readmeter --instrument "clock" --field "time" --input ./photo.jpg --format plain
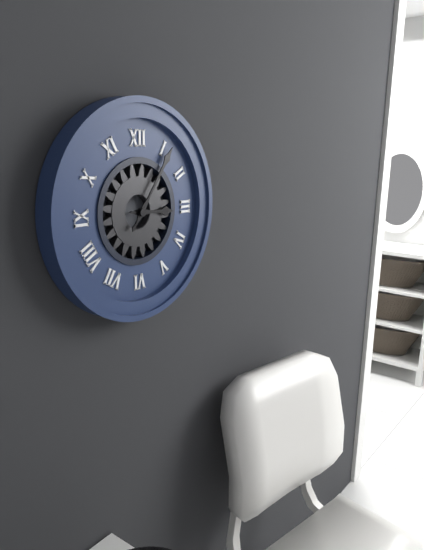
3:06
